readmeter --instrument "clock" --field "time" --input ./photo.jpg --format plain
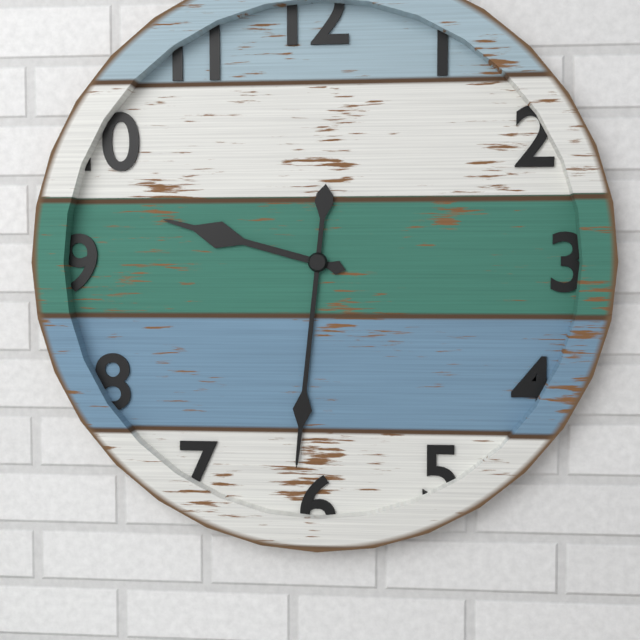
9:31
